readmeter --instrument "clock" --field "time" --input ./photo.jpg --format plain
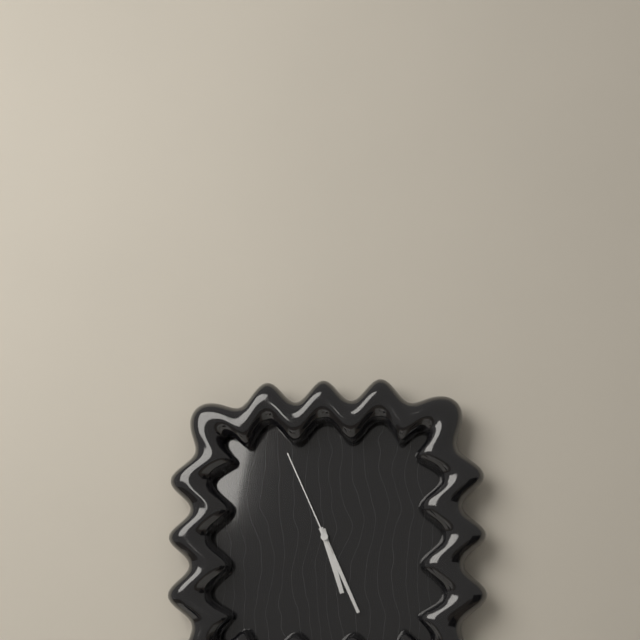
5:26:56
